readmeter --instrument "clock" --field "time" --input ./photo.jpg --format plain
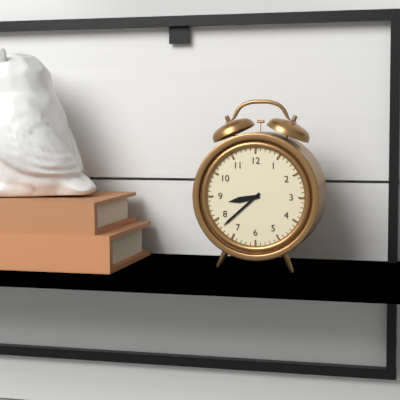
8:38
